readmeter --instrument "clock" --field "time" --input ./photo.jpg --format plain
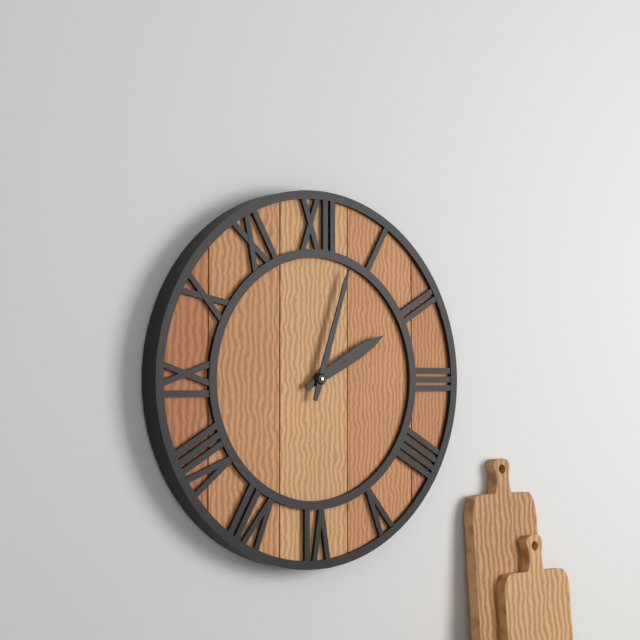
2:03
